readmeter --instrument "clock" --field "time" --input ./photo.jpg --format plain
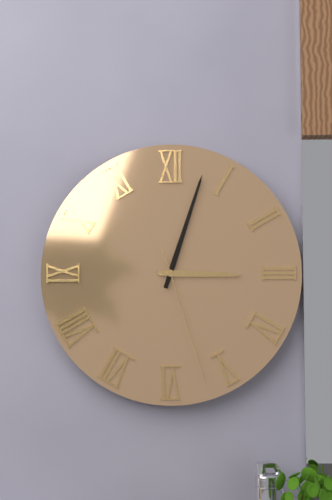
3:03:27
